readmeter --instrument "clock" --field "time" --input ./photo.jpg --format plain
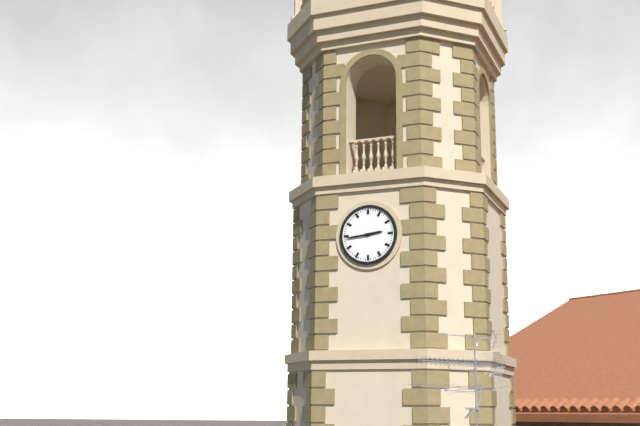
2:44
